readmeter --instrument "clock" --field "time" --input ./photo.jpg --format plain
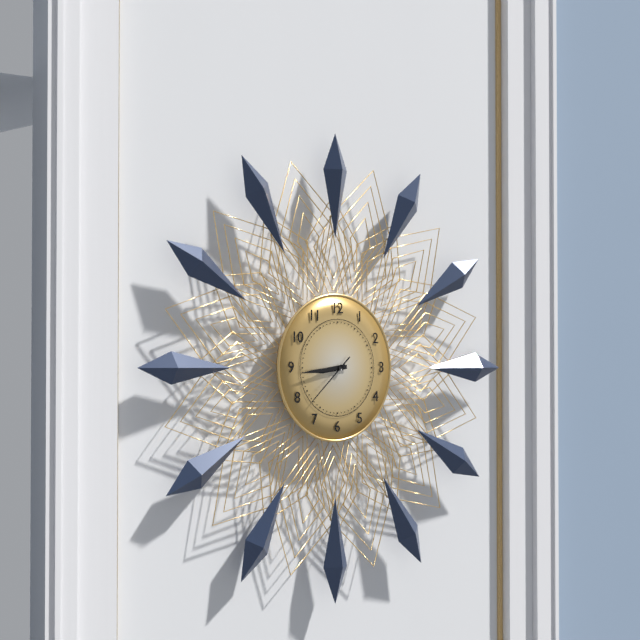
8:44:38
